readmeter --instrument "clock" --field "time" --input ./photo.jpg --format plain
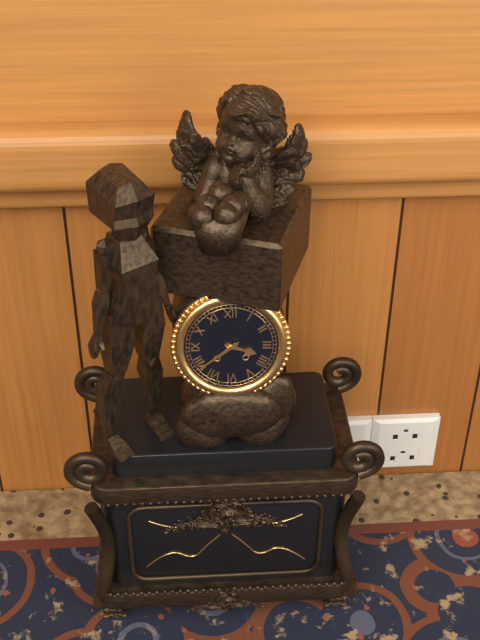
3:39
